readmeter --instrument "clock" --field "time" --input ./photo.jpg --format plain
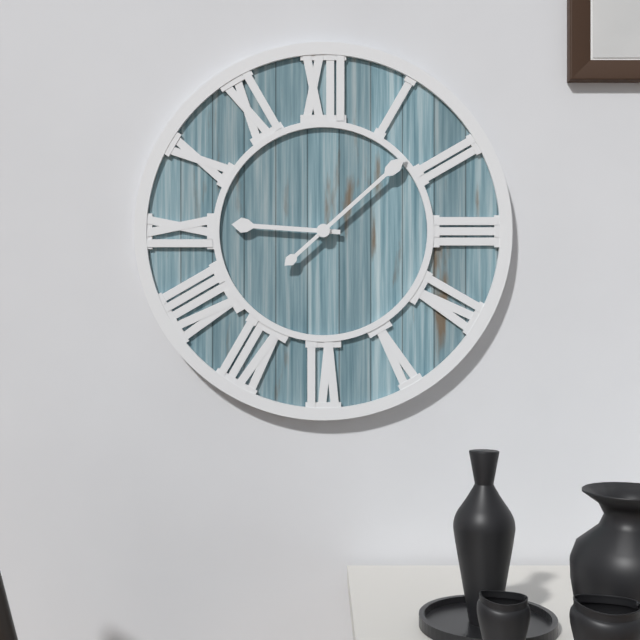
9:08
